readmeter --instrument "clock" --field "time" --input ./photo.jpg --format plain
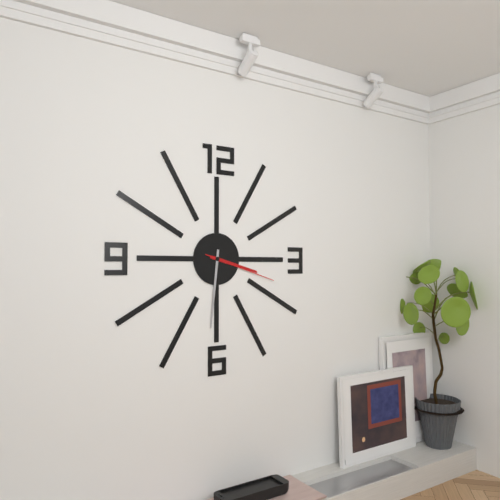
3:31:18
